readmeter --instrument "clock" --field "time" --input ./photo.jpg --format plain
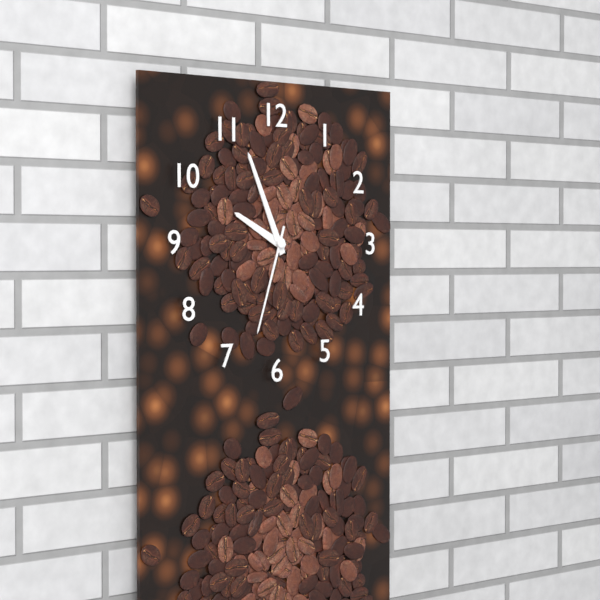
9:56:33
